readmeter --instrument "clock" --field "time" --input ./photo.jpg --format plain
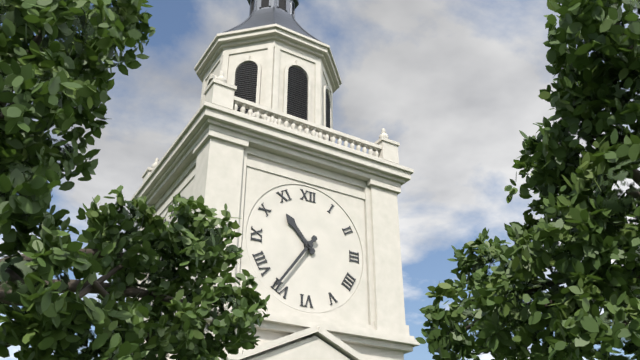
10:36
